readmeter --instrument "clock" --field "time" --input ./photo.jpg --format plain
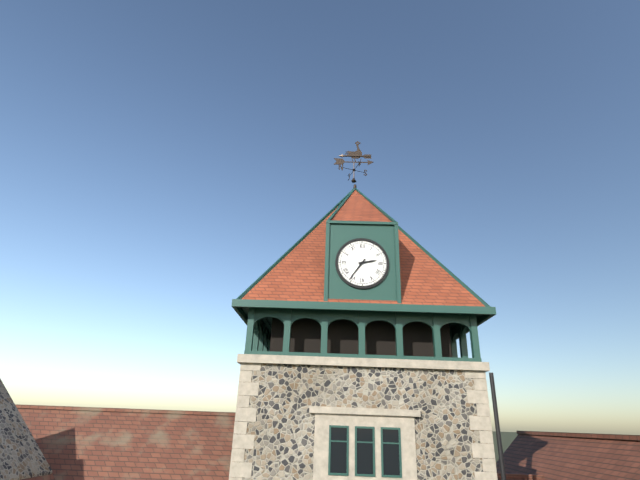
2:36
